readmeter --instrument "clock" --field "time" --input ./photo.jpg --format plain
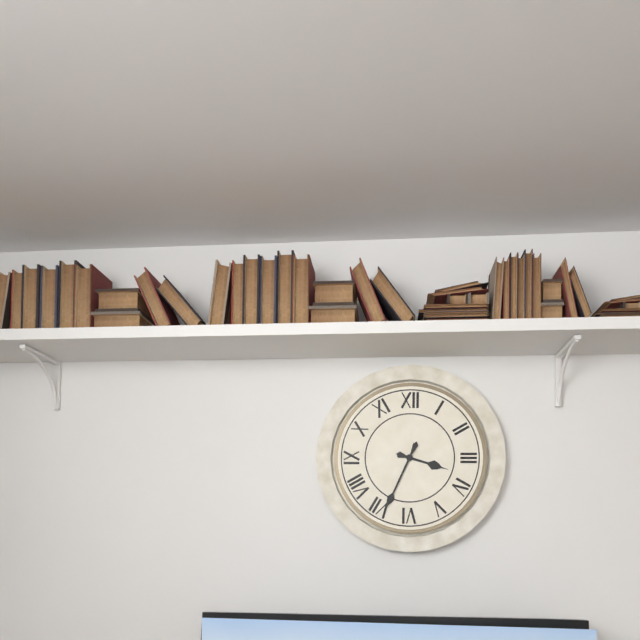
3:34
